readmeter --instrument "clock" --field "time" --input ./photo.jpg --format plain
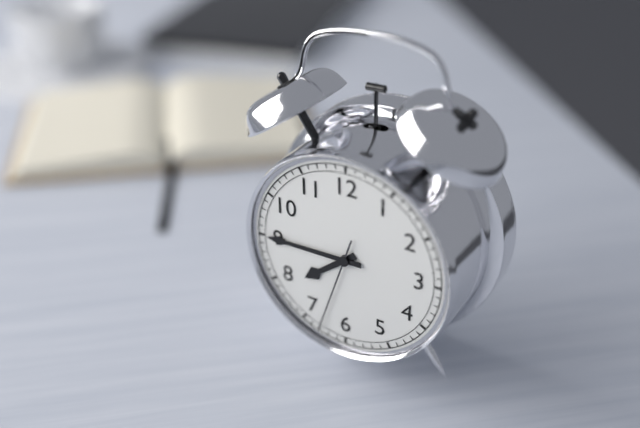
7:45:33
